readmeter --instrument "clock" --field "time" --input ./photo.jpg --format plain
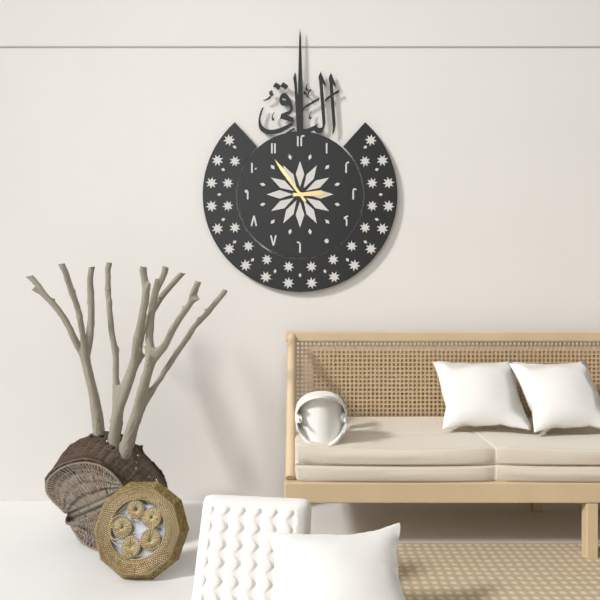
2:54
